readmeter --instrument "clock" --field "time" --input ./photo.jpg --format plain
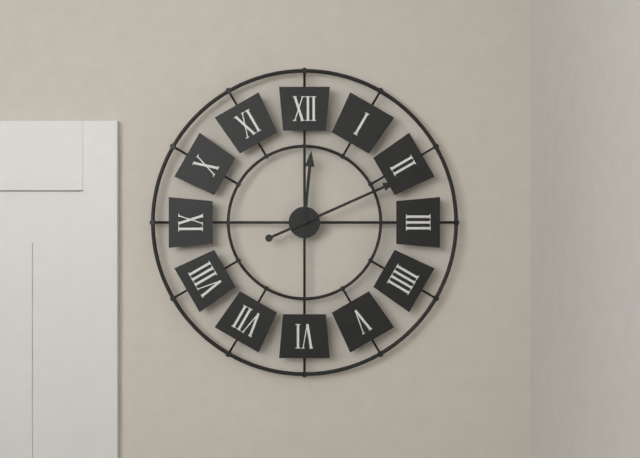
12:11
